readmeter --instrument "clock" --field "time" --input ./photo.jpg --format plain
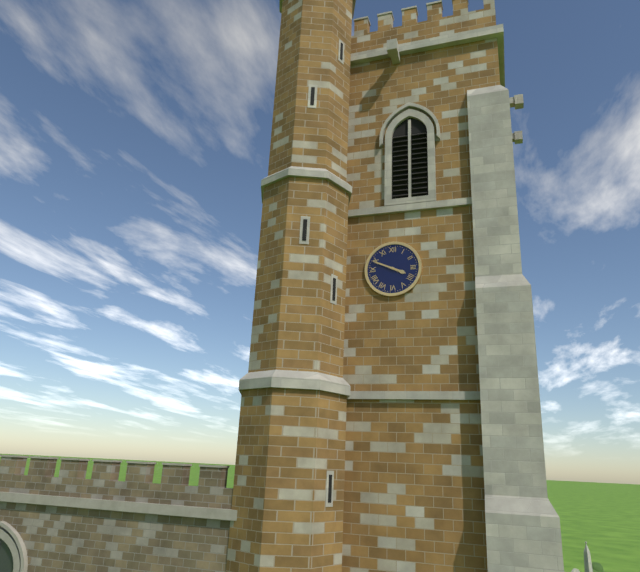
3:49
